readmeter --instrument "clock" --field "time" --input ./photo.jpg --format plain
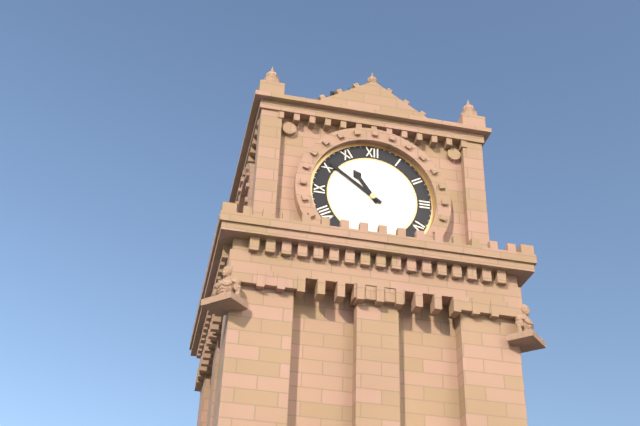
10:51
